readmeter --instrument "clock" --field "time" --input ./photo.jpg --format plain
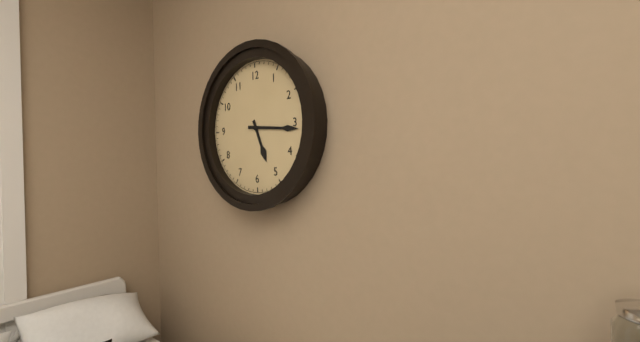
5:16
